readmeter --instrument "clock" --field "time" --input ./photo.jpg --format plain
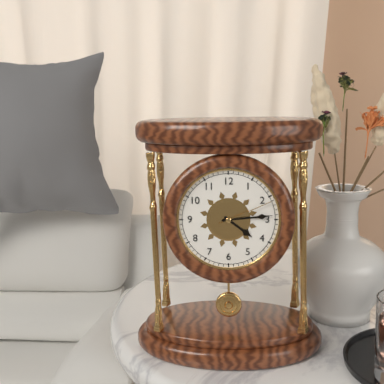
4:14:11
